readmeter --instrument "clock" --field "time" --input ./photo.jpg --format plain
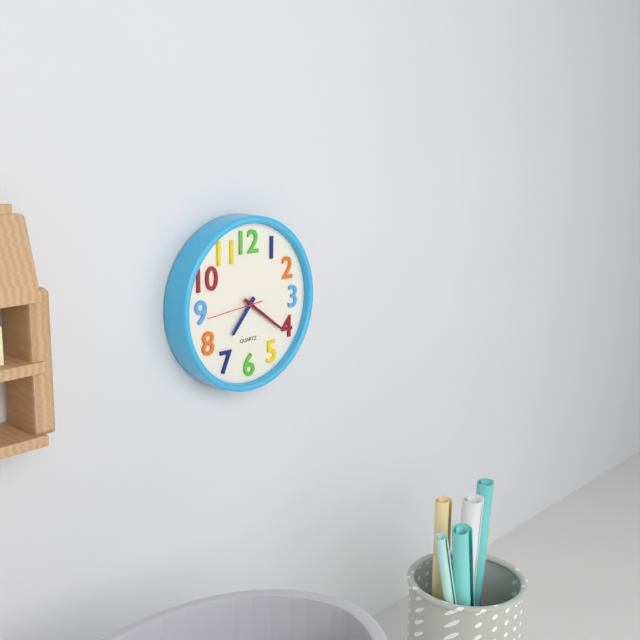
7:21:44
